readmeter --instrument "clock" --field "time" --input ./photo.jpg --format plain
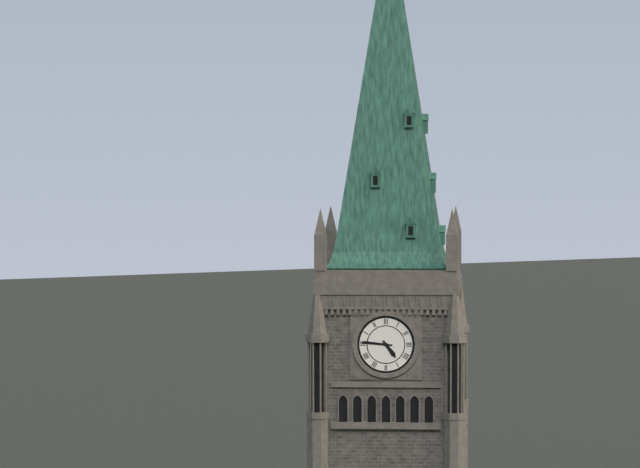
4:46
